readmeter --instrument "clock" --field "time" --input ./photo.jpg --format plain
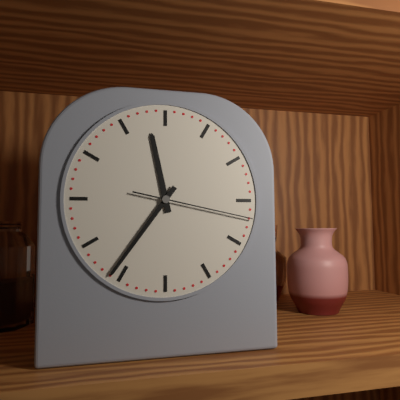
11:36:17
